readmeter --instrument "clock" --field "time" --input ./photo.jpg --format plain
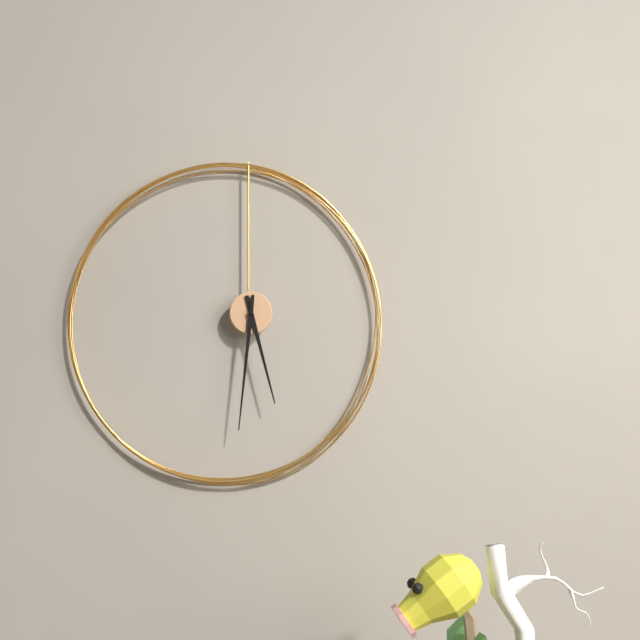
5:31
